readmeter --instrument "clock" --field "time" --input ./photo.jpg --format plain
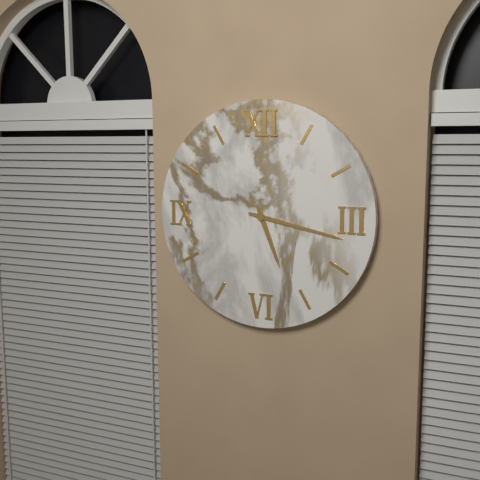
5:17
